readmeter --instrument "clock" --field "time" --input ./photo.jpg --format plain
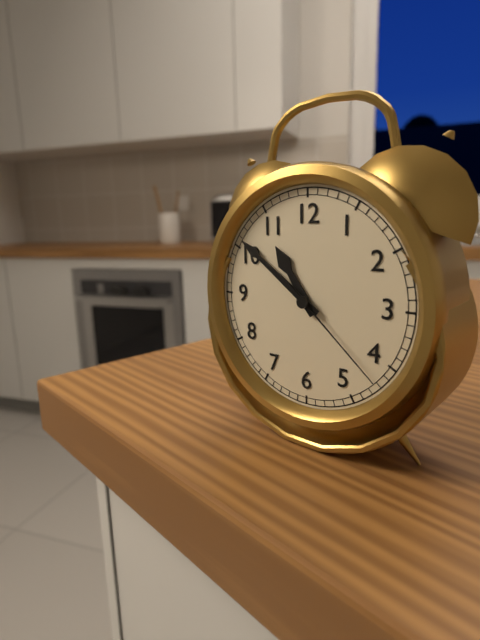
10:51:22
